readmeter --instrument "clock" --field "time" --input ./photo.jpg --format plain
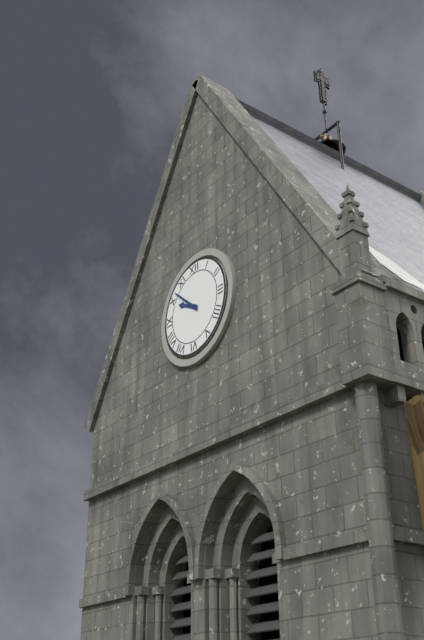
9:52
